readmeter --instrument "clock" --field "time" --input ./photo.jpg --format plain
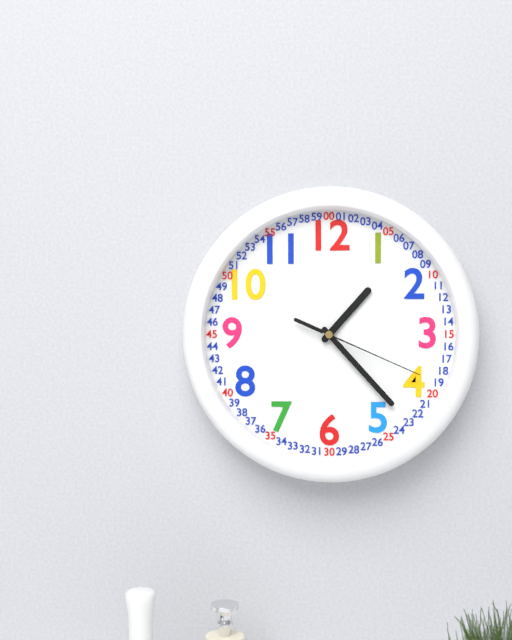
1:23:19
